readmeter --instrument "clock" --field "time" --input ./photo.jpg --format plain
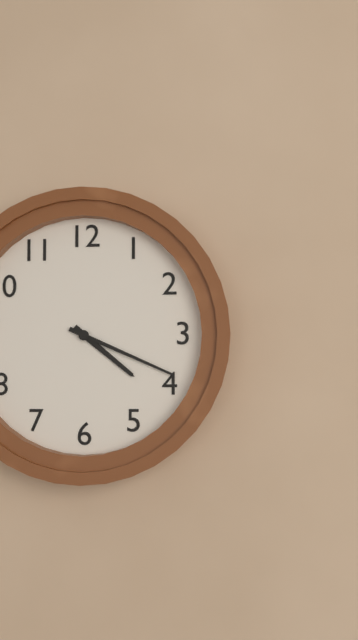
4:19
